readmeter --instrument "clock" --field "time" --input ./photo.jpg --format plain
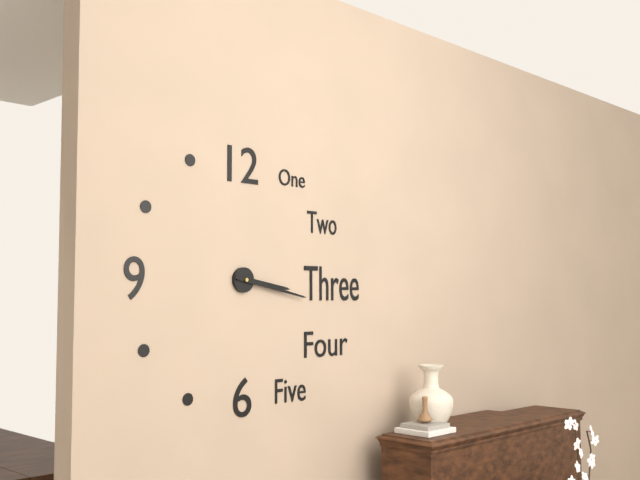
3:17
